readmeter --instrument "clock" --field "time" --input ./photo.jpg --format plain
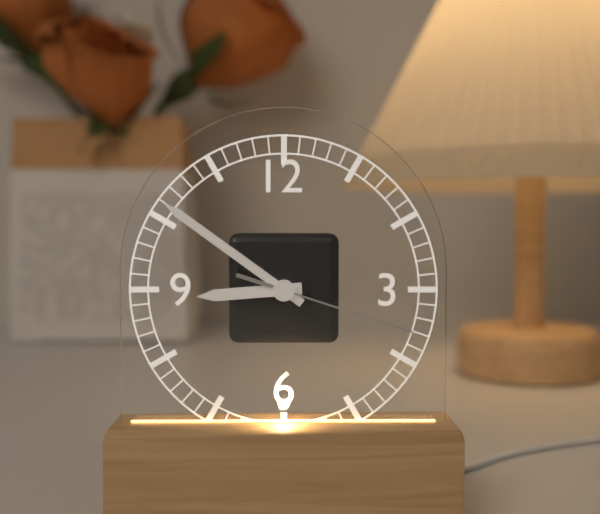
8:51:18
